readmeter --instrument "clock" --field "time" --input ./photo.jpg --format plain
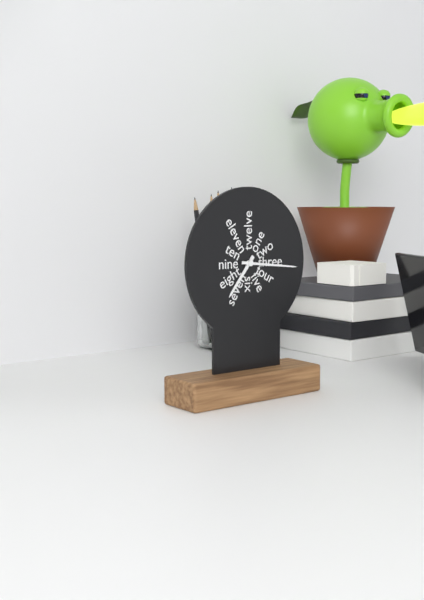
7:16
